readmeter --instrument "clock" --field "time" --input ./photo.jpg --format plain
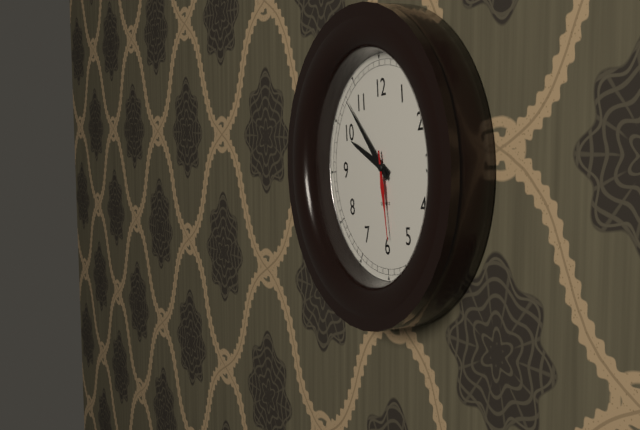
9:53:29
